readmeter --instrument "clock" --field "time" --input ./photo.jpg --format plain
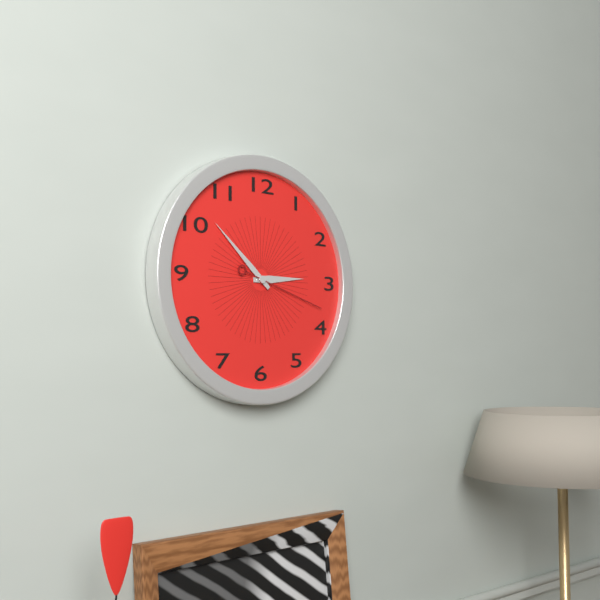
2:52:18
